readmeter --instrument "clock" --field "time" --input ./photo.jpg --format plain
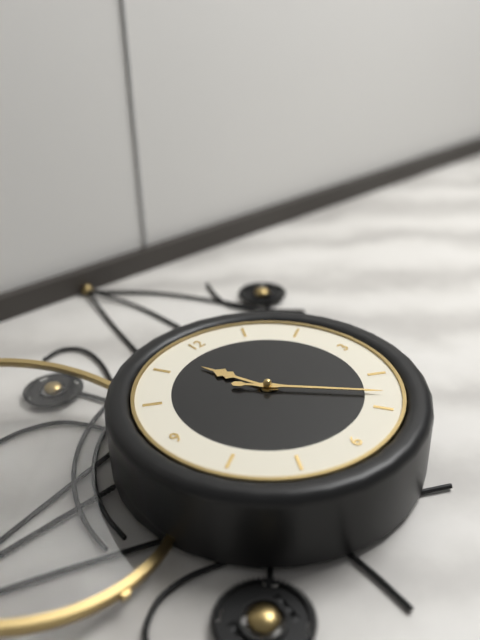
11:23
